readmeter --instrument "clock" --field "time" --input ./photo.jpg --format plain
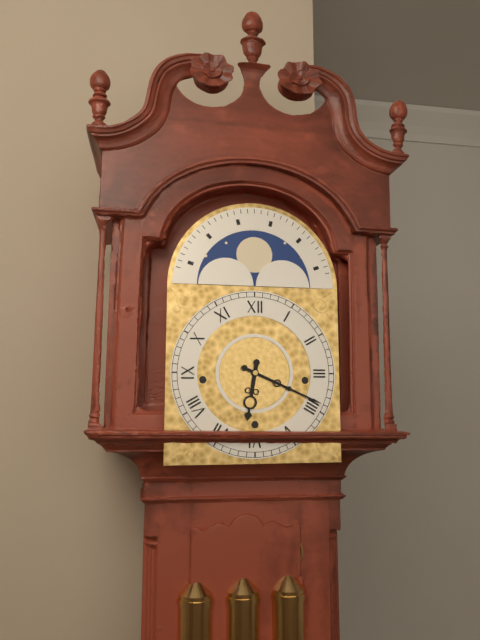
6:19
